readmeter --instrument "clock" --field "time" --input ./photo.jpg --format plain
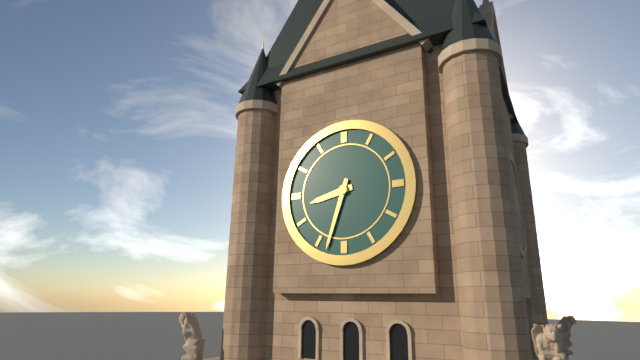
8:33
